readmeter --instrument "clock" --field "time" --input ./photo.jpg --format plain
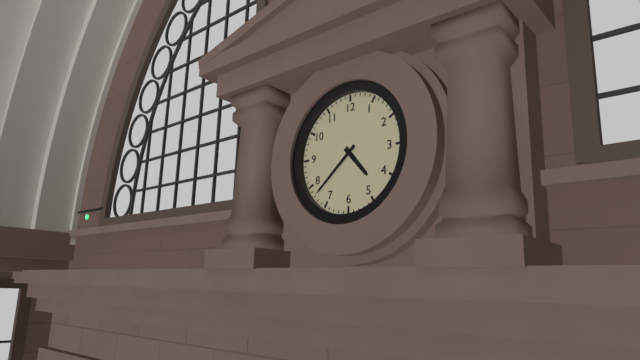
4:38
